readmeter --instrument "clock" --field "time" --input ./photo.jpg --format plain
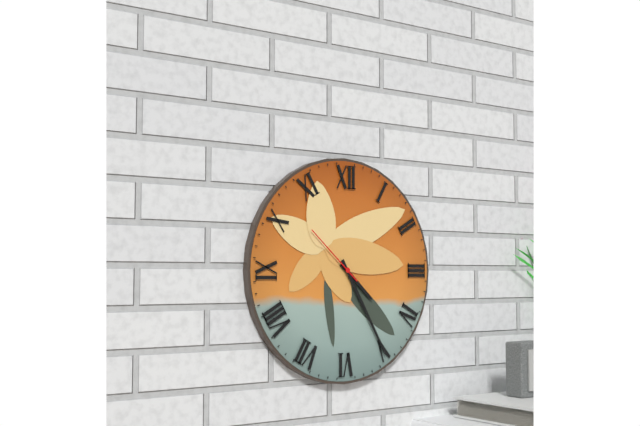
4:25:52
